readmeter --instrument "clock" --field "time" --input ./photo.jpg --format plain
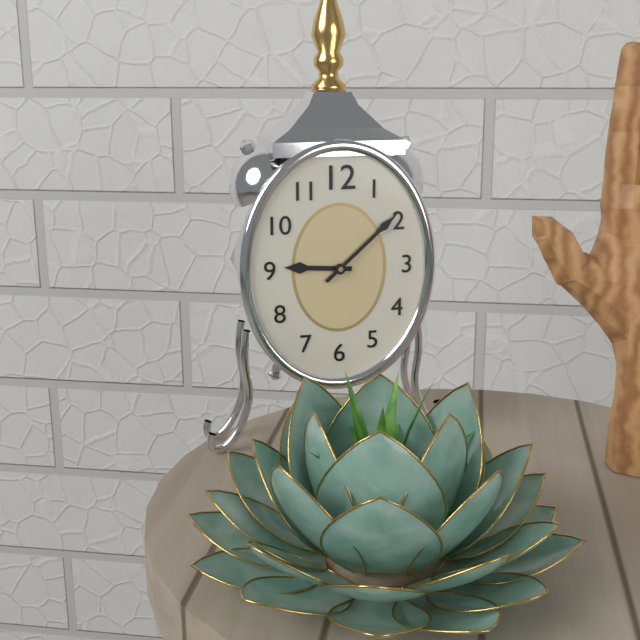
9:08
